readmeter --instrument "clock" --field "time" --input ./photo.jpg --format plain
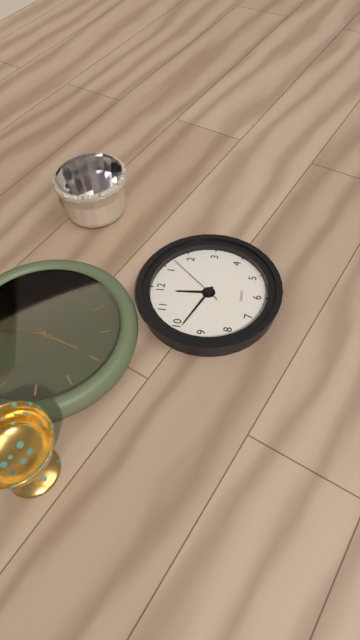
11:49:07
